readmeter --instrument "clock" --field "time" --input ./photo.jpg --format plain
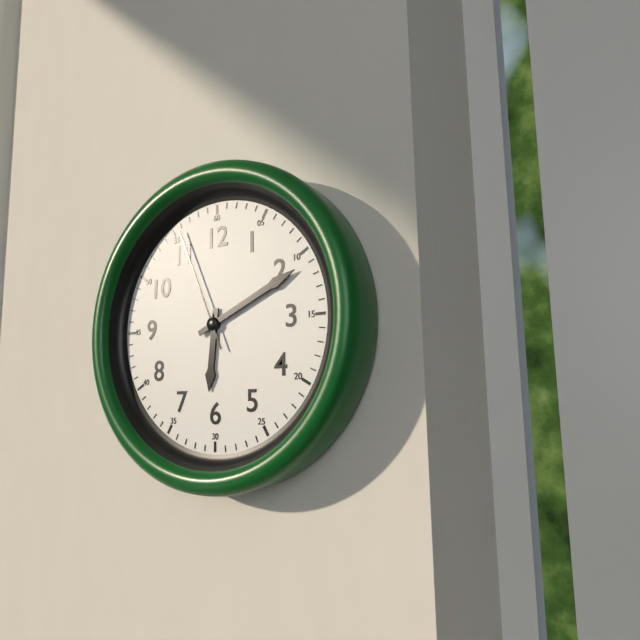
6:11:56
